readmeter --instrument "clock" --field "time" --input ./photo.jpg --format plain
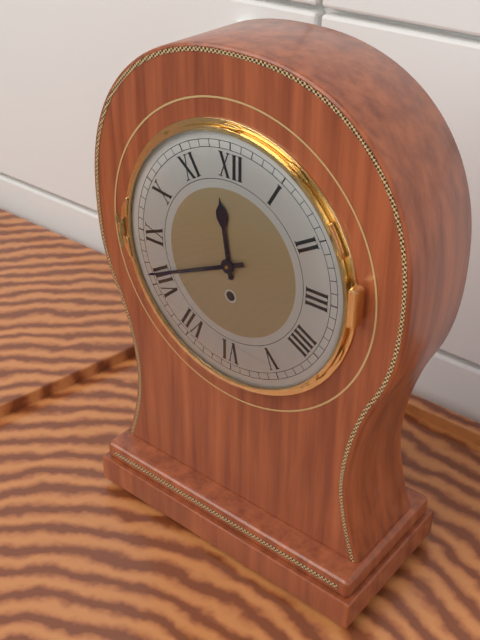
11:41
